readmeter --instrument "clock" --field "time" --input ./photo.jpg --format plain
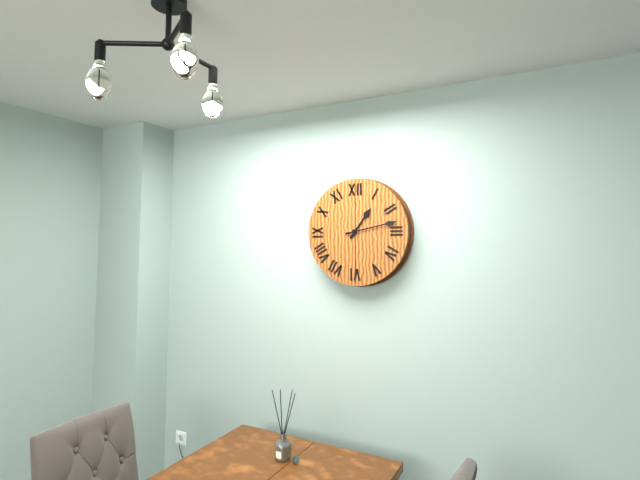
1:13
